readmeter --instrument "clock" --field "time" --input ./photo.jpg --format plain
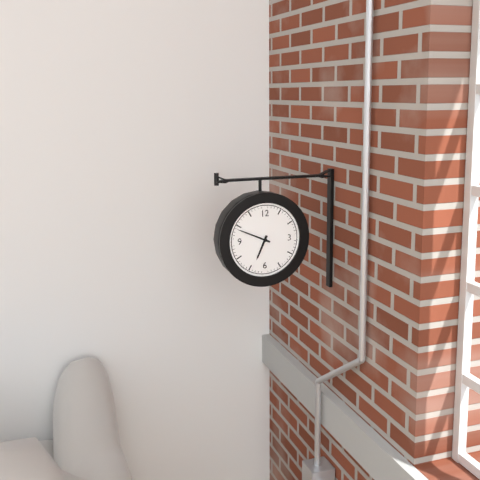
6:49
